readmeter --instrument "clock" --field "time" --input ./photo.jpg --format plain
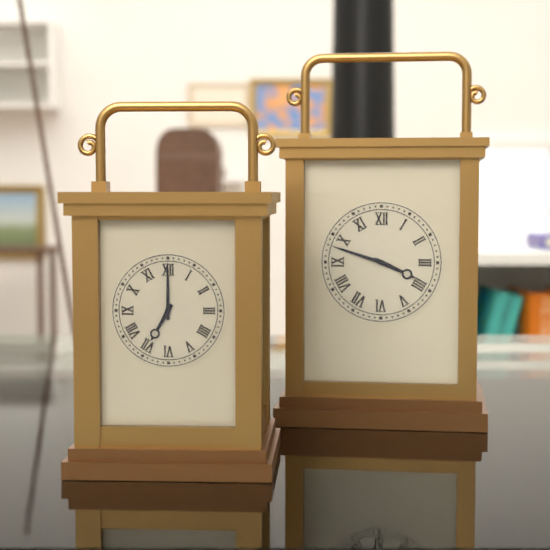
3:48
